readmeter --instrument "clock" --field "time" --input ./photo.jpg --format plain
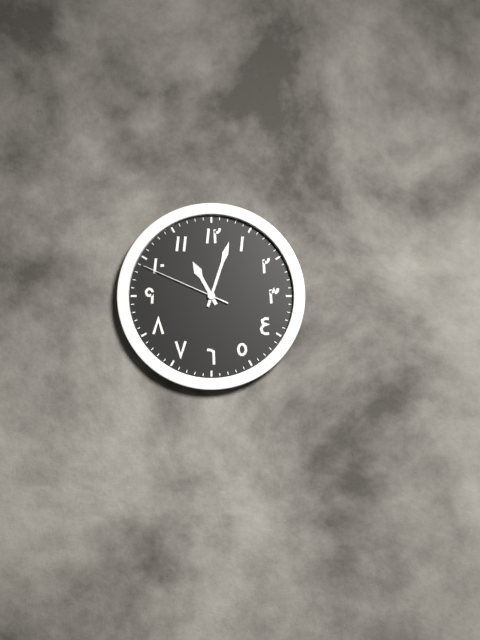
11:03:49
